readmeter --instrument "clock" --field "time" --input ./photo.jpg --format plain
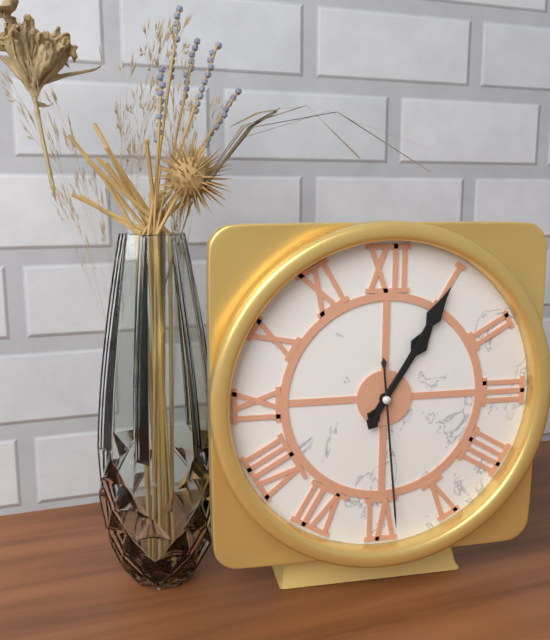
1:05:29
